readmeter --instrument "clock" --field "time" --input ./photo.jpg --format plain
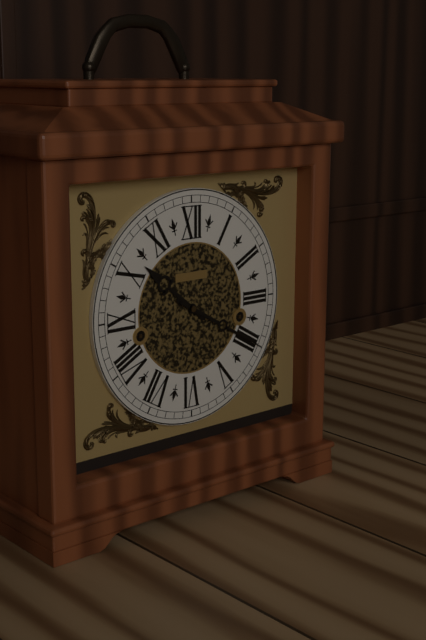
10:20
